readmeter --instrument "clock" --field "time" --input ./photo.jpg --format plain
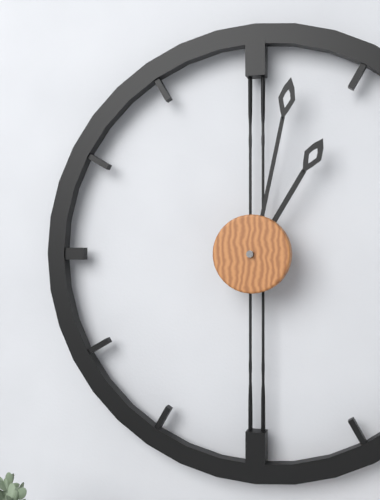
1:02
